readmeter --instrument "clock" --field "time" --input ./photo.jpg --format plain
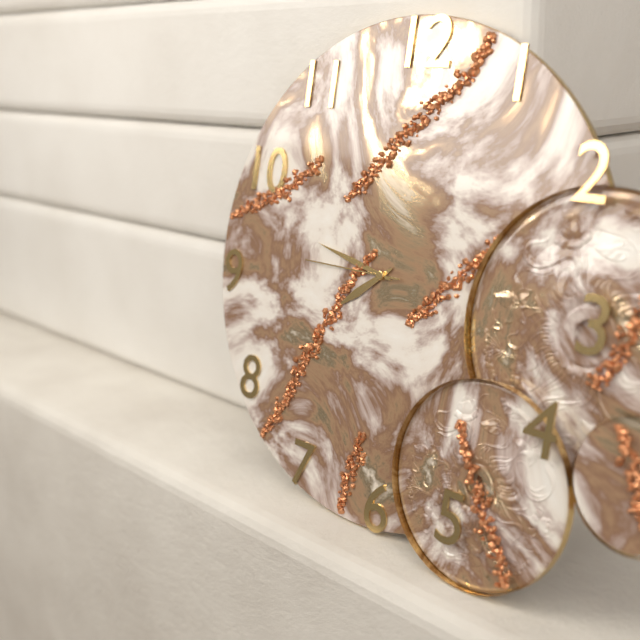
7:47:45
